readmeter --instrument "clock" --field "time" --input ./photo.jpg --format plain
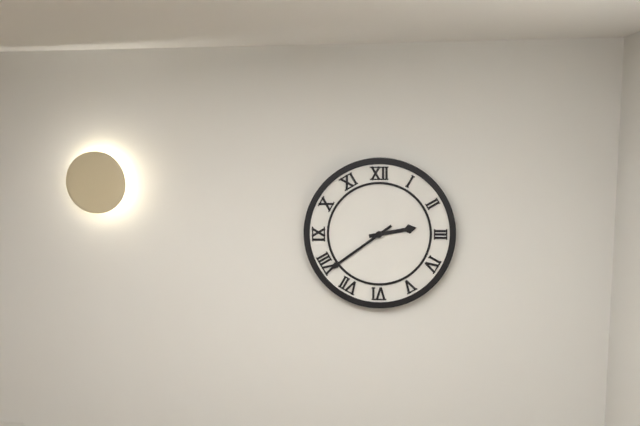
2:39
